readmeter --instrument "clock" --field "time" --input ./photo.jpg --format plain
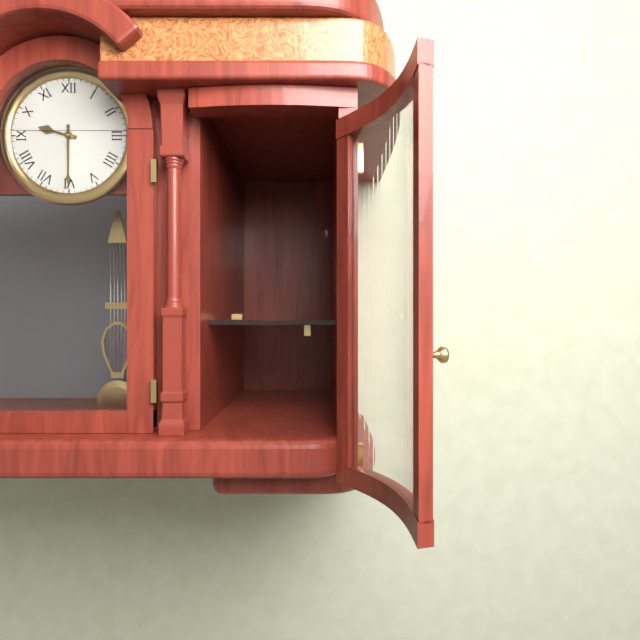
9:30
